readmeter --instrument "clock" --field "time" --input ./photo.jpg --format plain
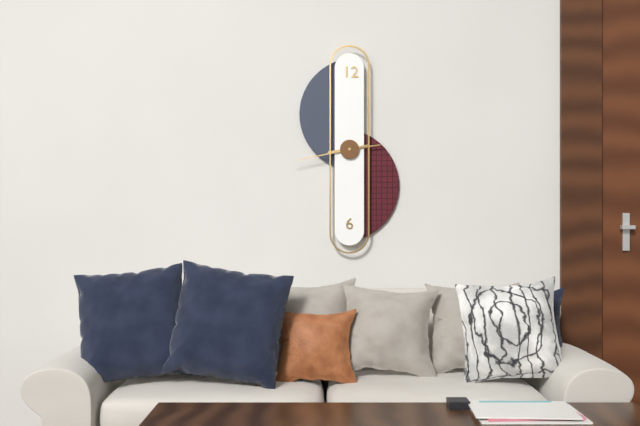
2:43
